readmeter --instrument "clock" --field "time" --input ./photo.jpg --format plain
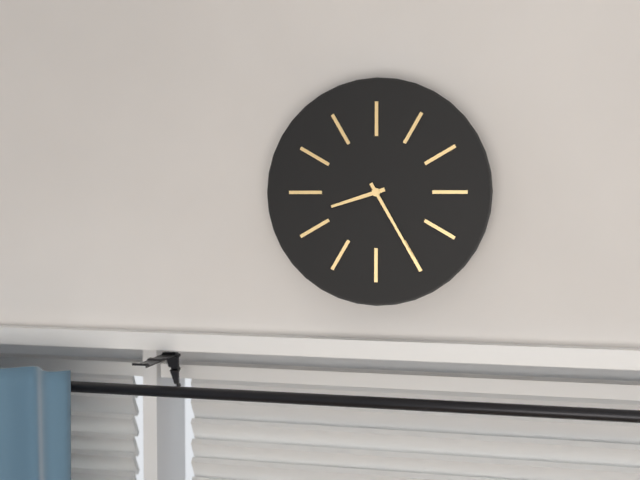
8:25
